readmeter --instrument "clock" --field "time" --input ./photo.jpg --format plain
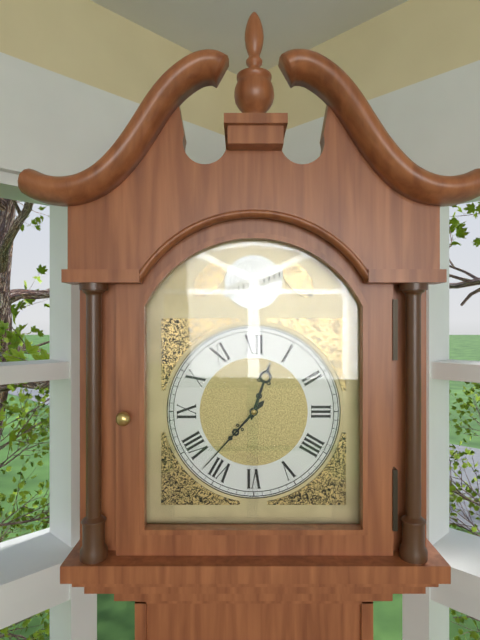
12:37
